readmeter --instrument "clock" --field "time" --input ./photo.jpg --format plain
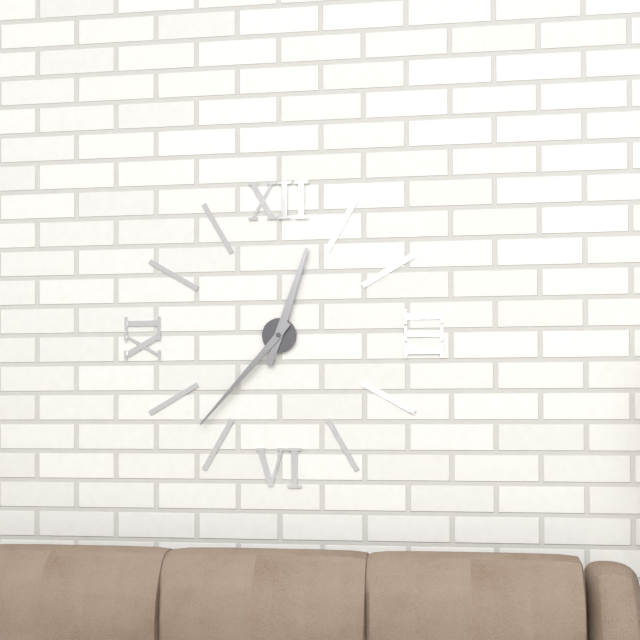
12:37
